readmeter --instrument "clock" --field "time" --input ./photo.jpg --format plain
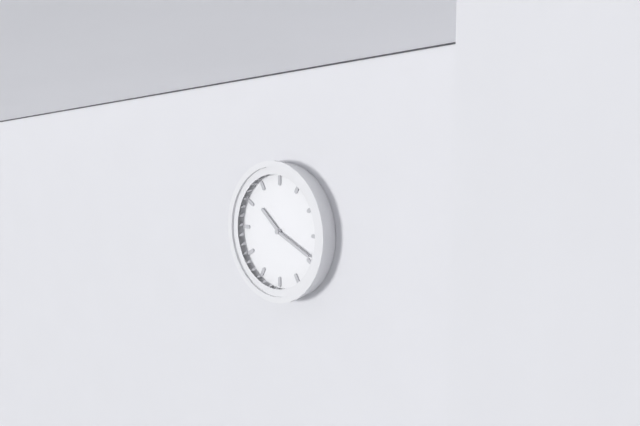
10:19
